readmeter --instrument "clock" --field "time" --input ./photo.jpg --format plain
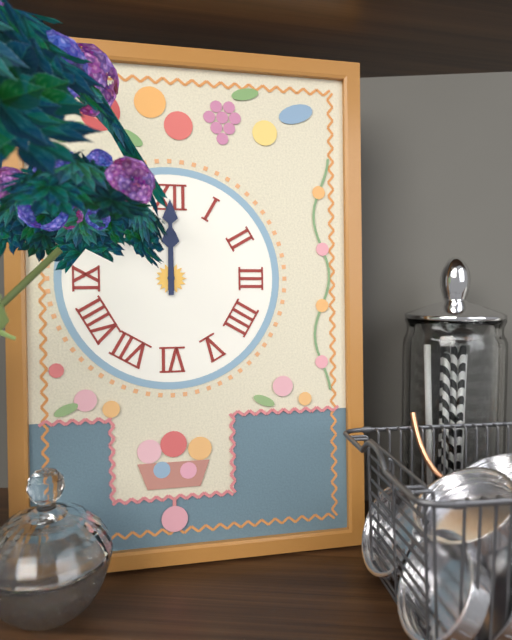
12:00
